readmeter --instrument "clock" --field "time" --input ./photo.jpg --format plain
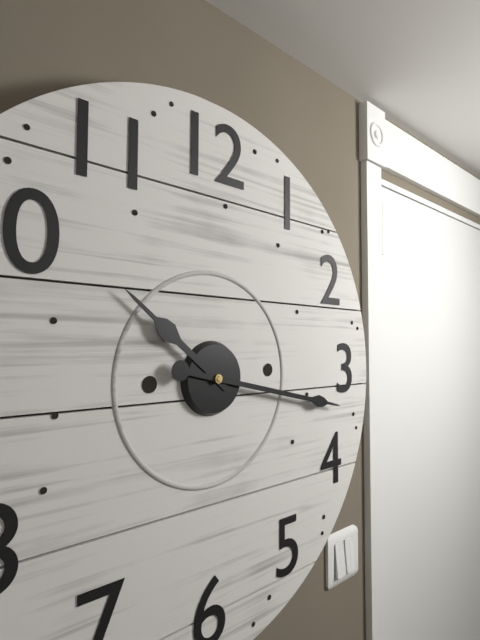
10:17
